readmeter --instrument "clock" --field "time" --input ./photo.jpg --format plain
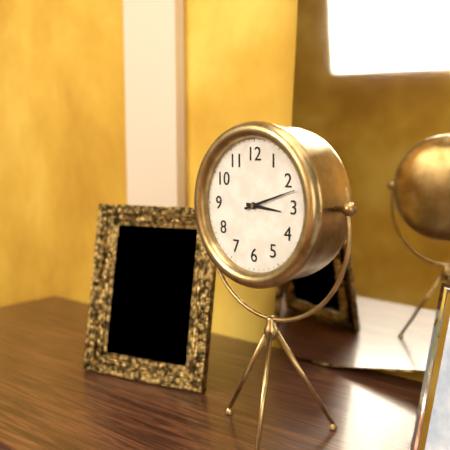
3:12
